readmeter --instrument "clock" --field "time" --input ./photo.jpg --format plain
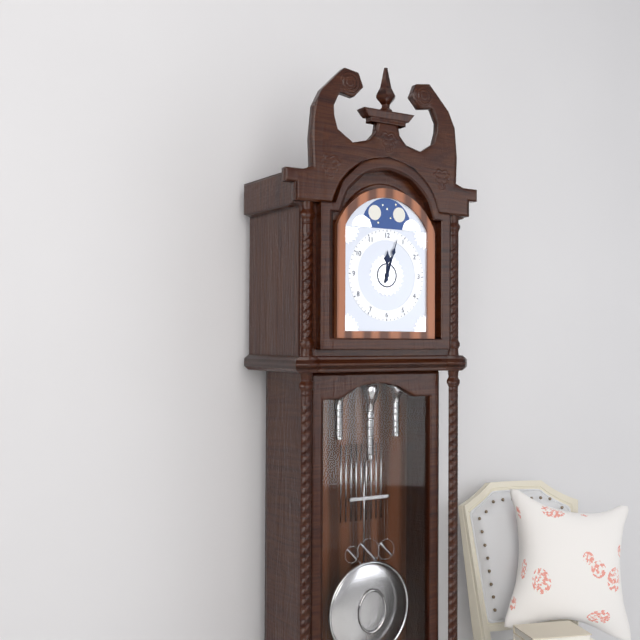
12:03
